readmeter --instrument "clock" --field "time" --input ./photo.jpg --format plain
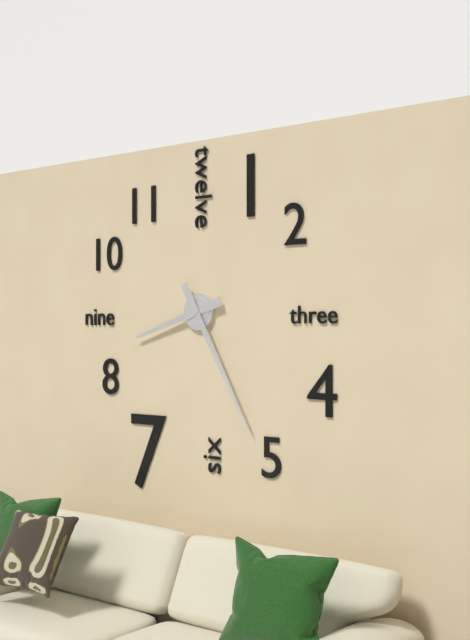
8:25
